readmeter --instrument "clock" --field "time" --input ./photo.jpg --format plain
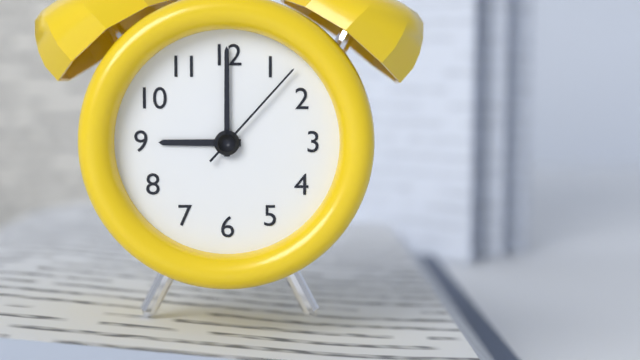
9:00:07
